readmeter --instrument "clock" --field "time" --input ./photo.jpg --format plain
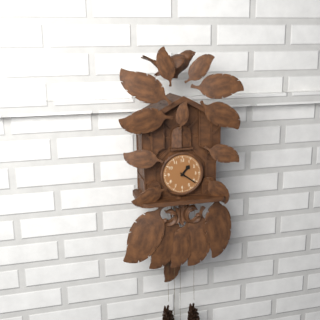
1:21
